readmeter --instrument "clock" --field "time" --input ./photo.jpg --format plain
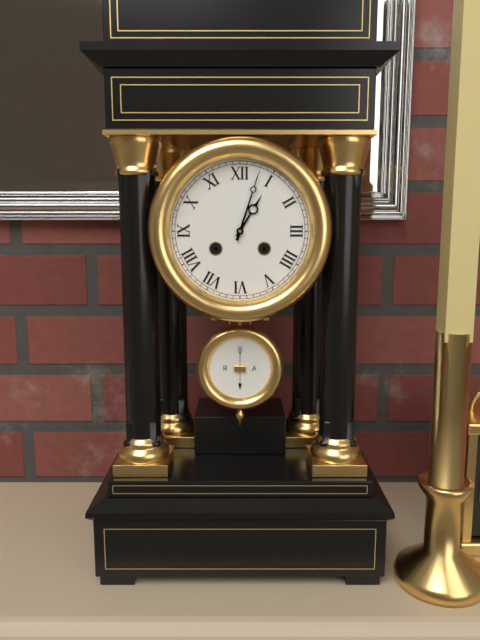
1:03
